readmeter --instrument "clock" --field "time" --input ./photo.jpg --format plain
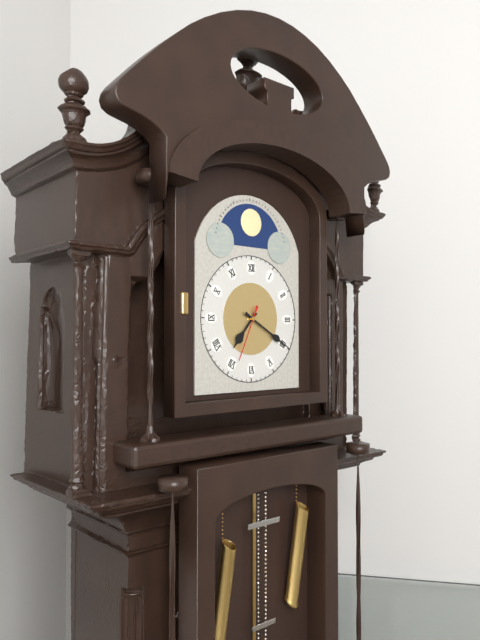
7:20:34
